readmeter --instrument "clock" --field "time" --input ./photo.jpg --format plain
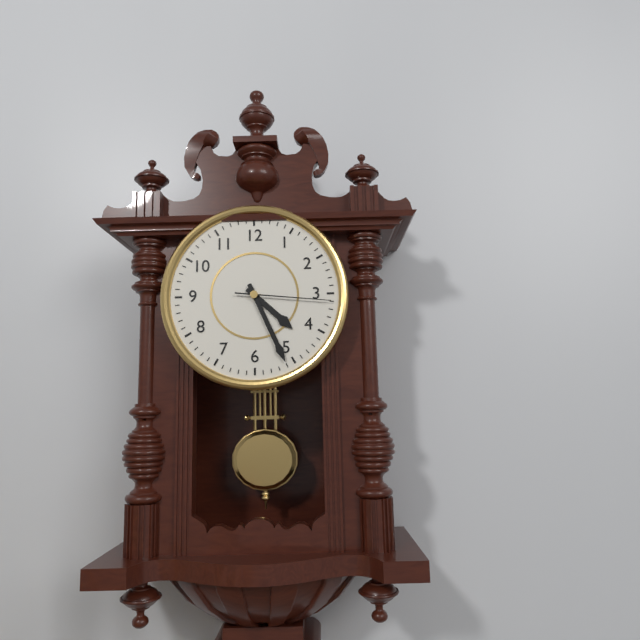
4:26:16
